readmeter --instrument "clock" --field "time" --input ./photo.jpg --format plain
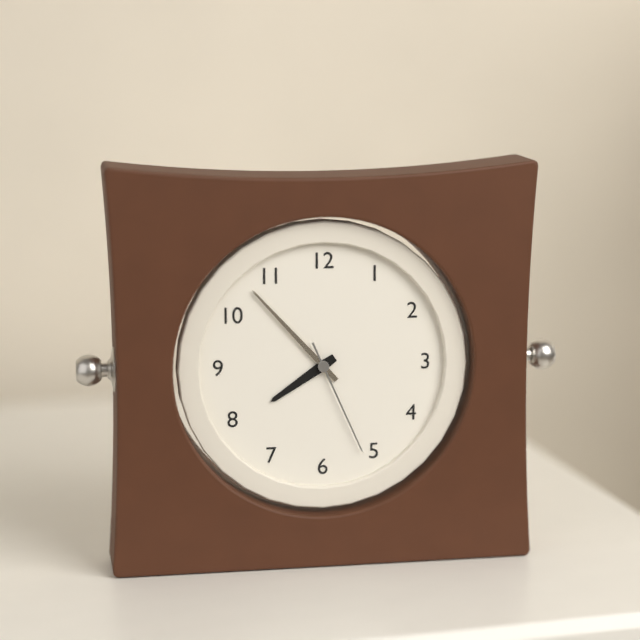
7:53:26
